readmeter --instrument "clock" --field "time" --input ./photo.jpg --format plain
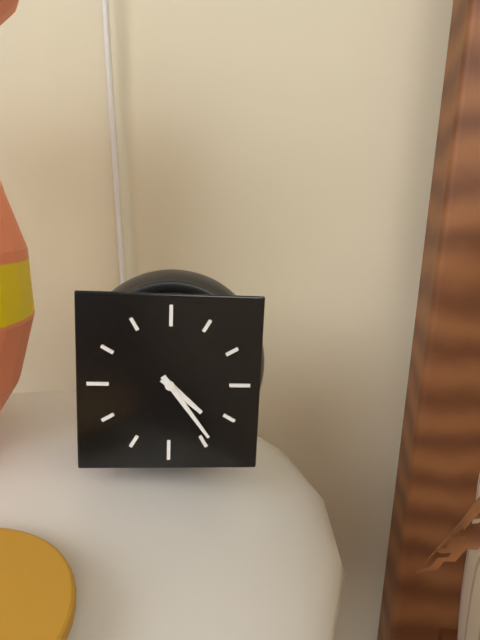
4:24
